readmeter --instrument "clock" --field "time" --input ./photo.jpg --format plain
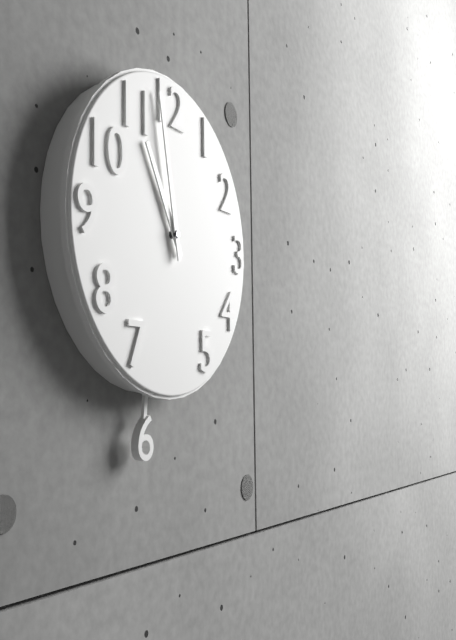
10:58
